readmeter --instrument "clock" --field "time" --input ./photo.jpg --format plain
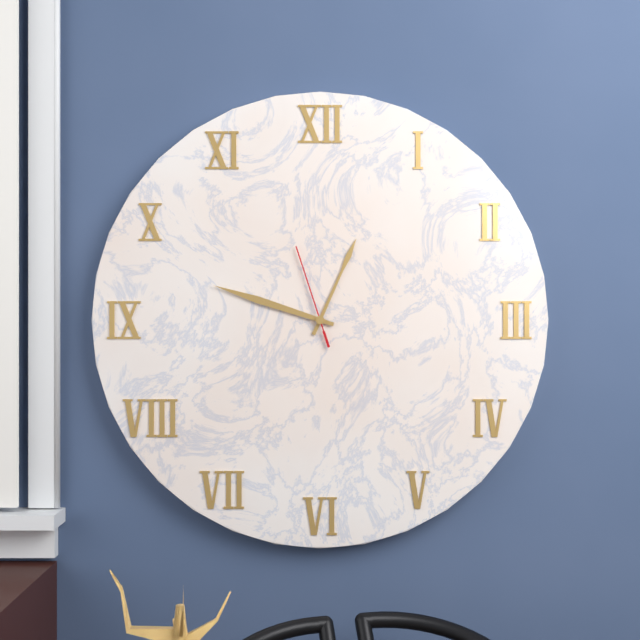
12:48:57
